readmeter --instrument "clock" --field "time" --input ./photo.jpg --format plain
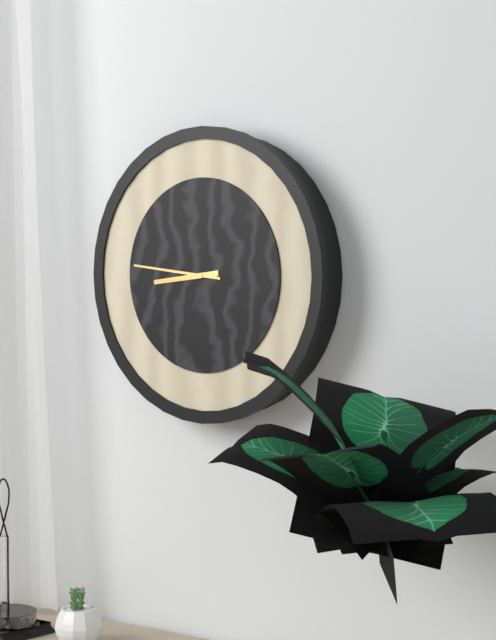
8:46
